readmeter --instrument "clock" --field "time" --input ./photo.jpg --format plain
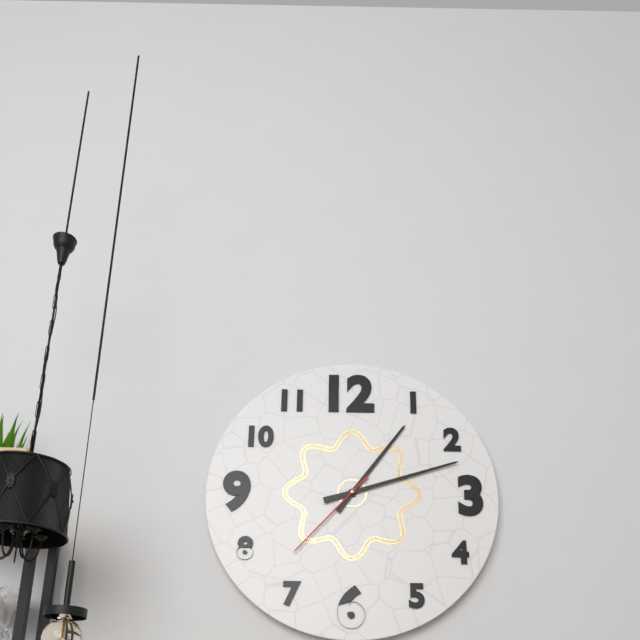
1:12:37
